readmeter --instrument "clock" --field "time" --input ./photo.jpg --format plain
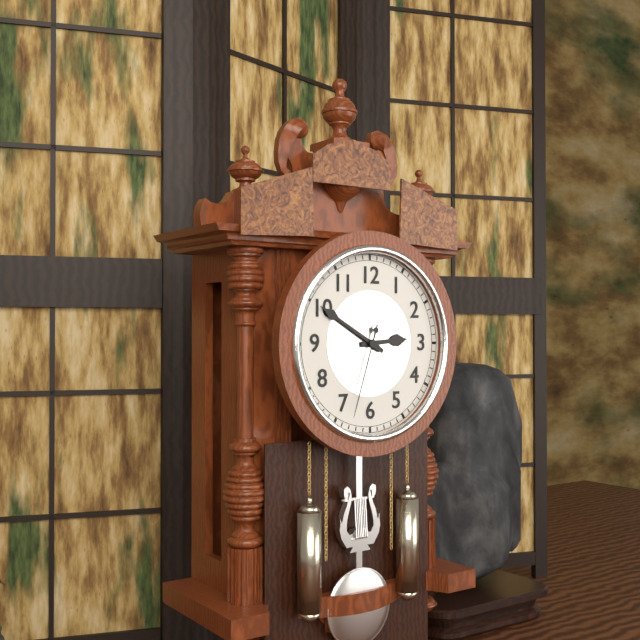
2:50:33
